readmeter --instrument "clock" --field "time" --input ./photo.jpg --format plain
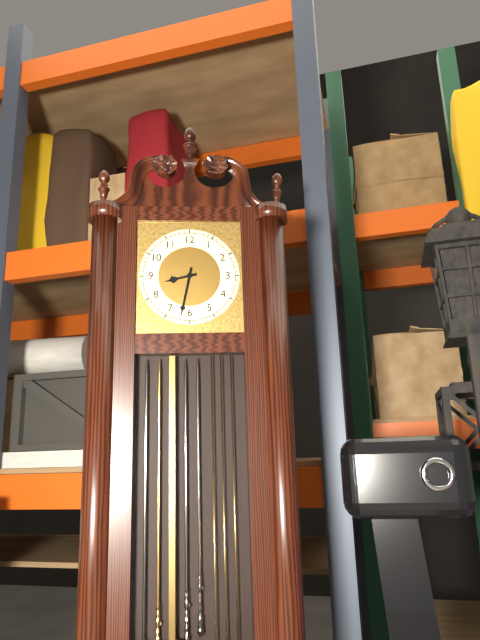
8:32
